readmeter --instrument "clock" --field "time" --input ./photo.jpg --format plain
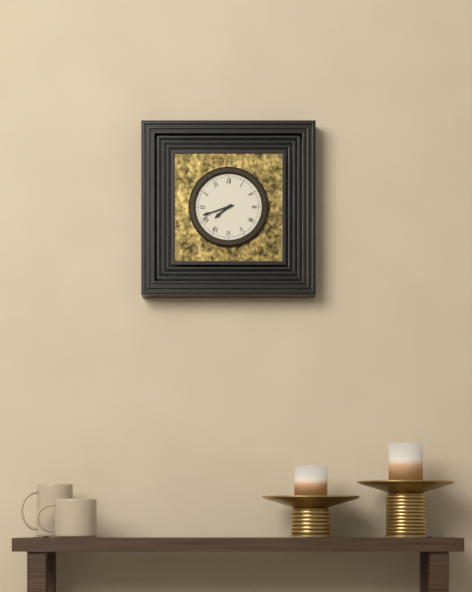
7:42
